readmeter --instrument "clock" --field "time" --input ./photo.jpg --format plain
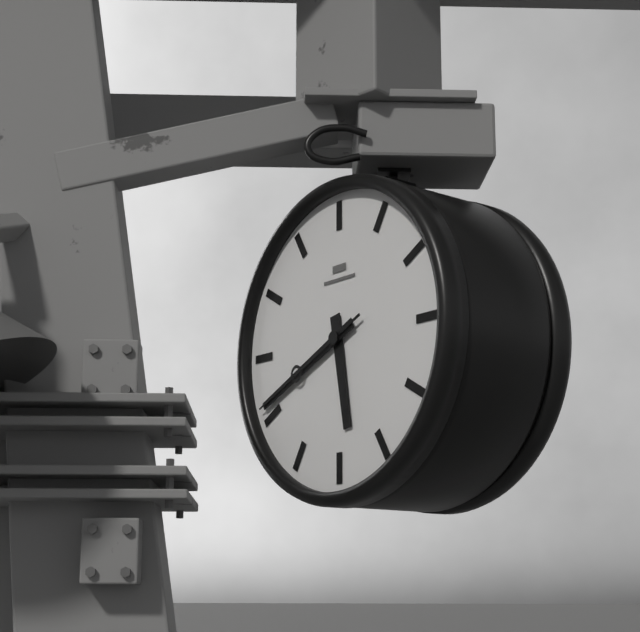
5:41:41
